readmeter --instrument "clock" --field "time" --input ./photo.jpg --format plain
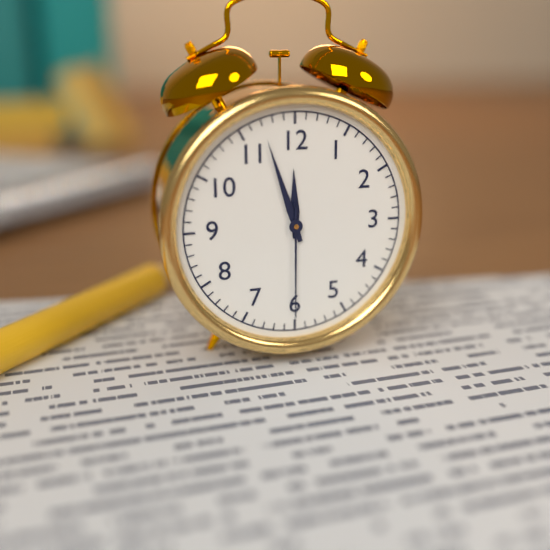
11:57:30
